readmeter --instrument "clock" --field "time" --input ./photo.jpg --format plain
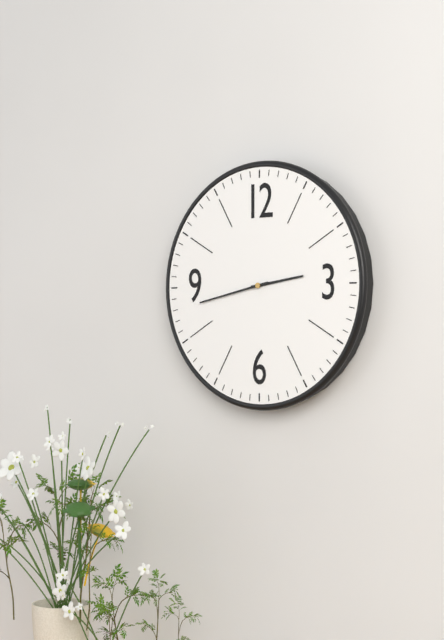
2:43
